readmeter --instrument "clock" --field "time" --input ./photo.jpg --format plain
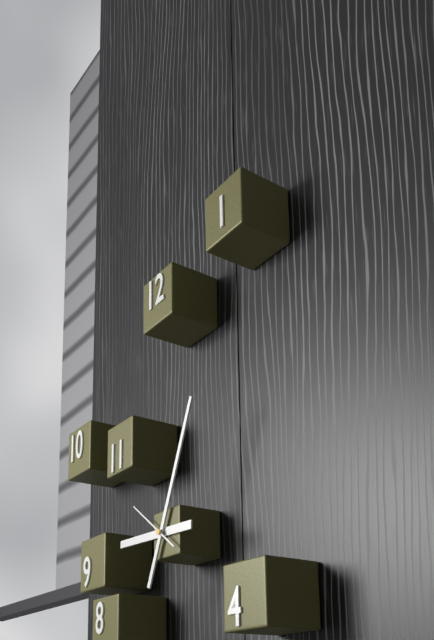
9:04:51
